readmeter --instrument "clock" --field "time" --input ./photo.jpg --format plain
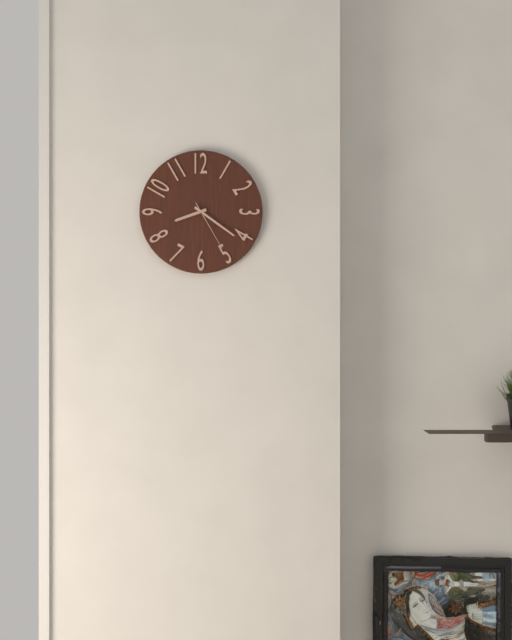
8:21:25
